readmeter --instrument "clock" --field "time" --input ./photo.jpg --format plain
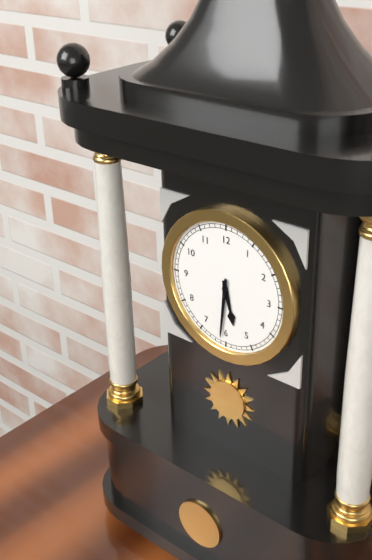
5:31
